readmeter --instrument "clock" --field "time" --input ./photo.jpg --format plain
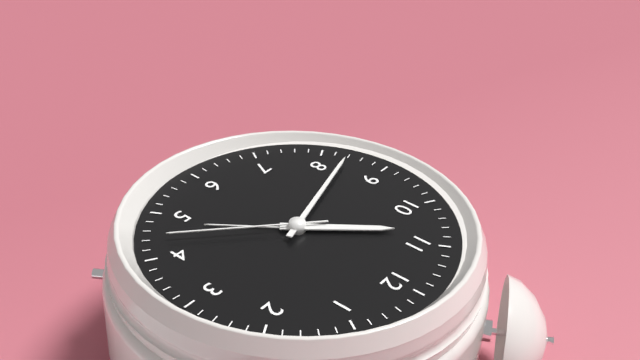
10:42:22
